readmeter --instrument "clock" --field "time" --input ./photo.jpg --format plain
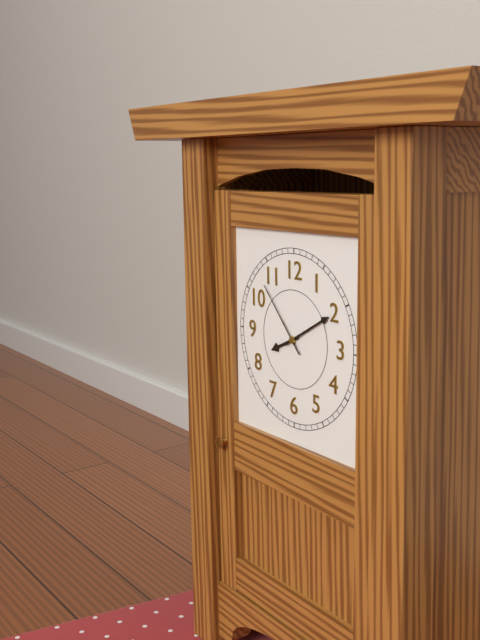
8:10:53
